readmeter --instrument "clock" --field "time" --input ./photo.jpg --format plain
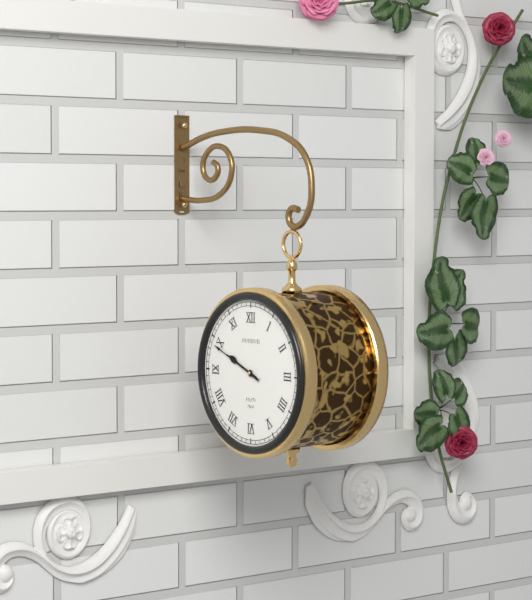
9:49
